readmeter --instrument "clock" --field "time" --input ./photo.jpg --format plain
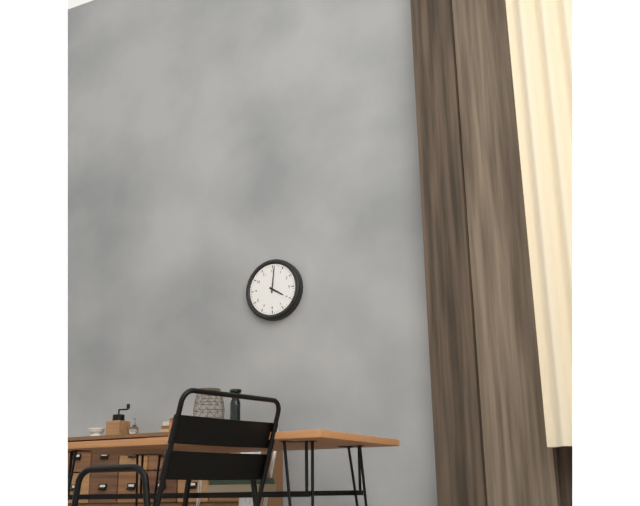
4:01
